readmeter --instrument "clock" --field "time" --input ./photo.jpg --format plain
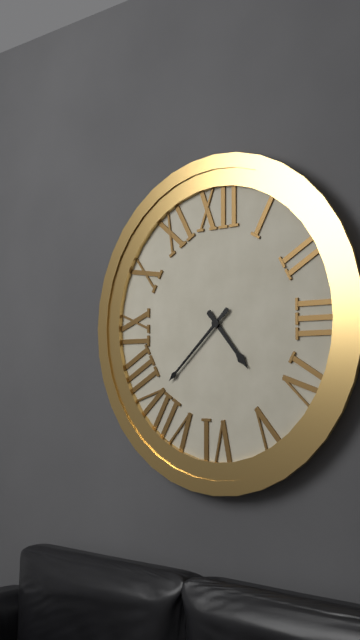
4:38
